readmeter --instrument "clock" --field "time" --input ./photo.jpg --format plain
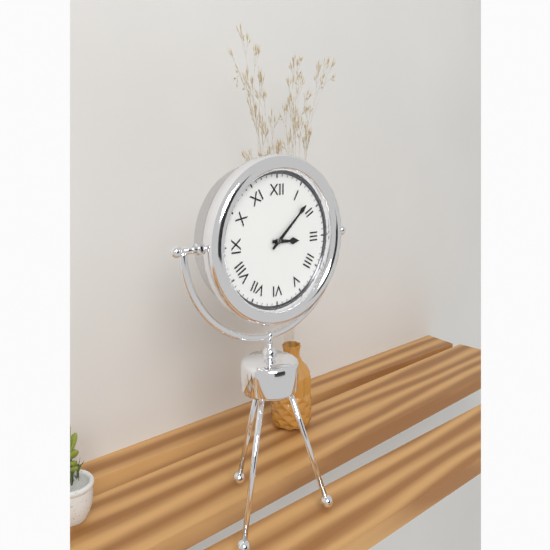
3:08
